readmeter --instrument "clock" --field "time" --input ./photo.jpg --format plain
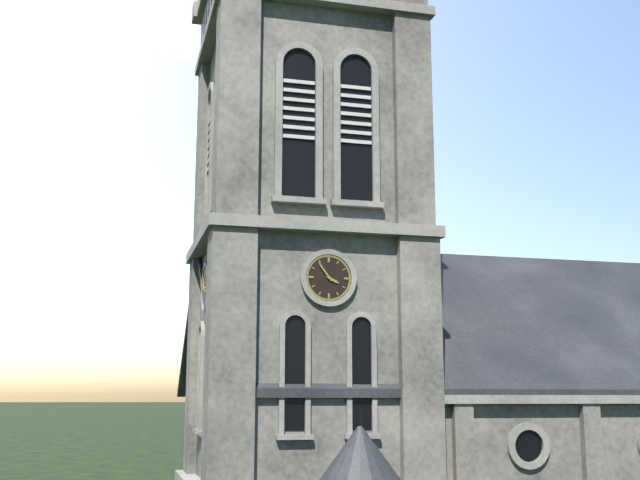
3:54
